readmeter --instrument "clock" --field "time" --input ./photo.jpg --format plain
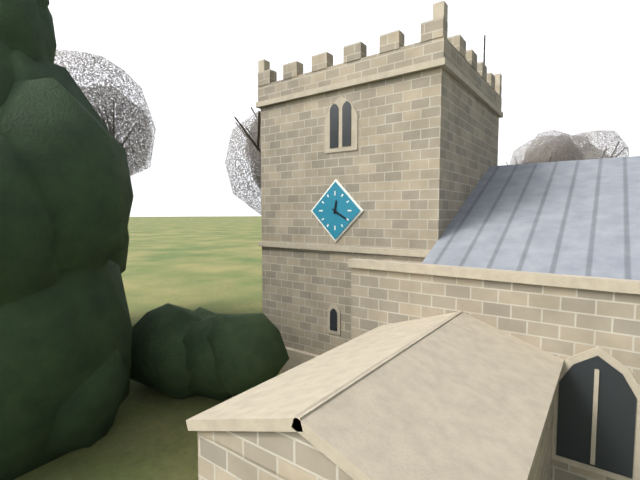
12:20
